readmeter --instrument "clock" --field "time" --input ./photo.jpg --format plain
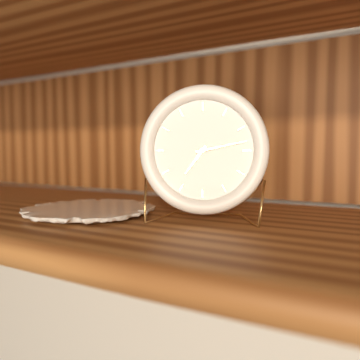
7:13
